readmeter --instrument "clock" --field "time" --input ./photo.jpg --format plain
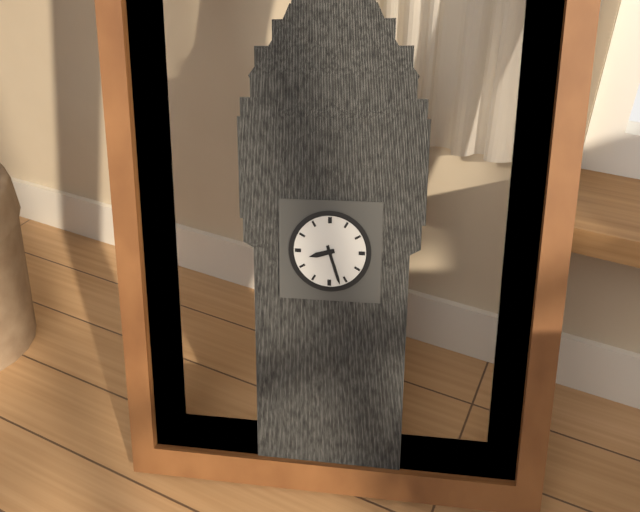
8:27
